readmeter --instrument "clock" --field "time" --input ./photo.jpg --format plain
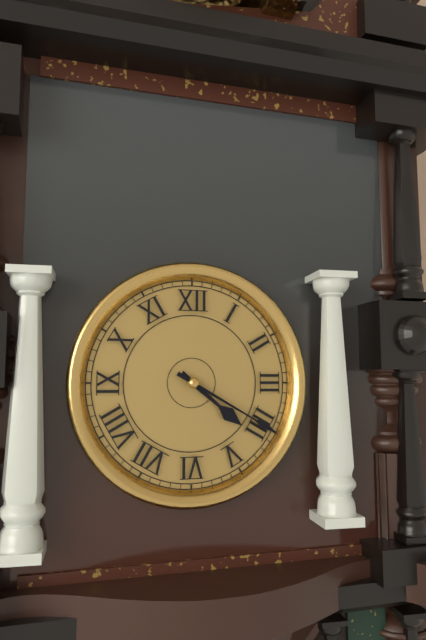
4:20
